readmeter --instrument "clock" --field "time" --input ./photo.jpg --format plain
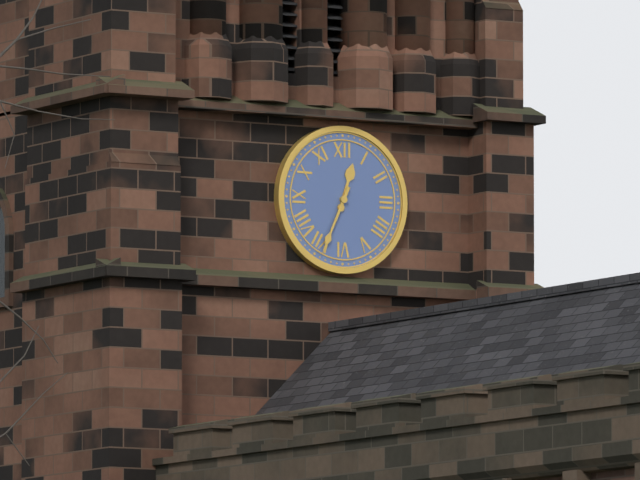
12:34
